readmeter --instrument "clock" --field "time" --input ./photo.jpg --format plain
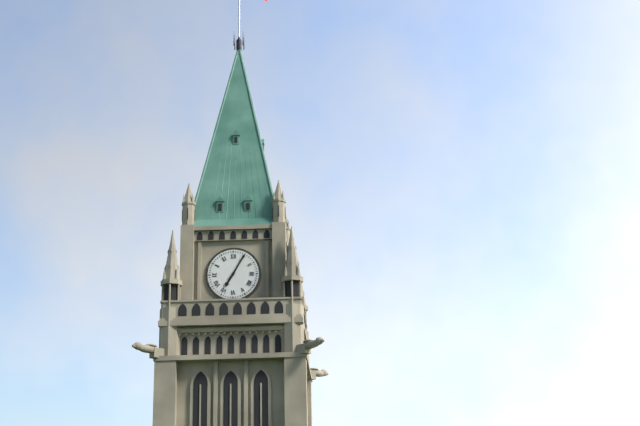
7:05
